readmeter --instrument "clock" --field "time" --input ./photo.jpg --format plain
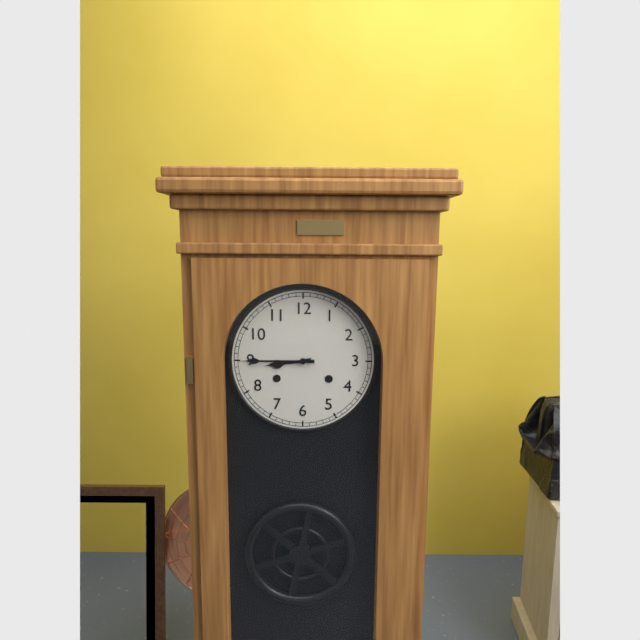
8:45
